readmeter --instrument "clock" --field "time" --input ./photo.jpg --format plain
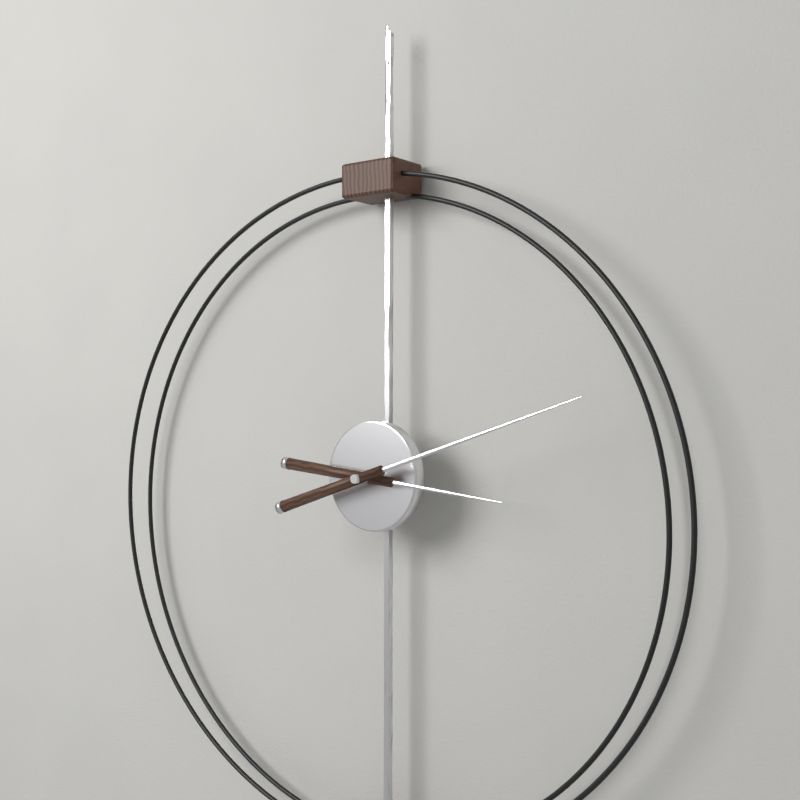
3:12
